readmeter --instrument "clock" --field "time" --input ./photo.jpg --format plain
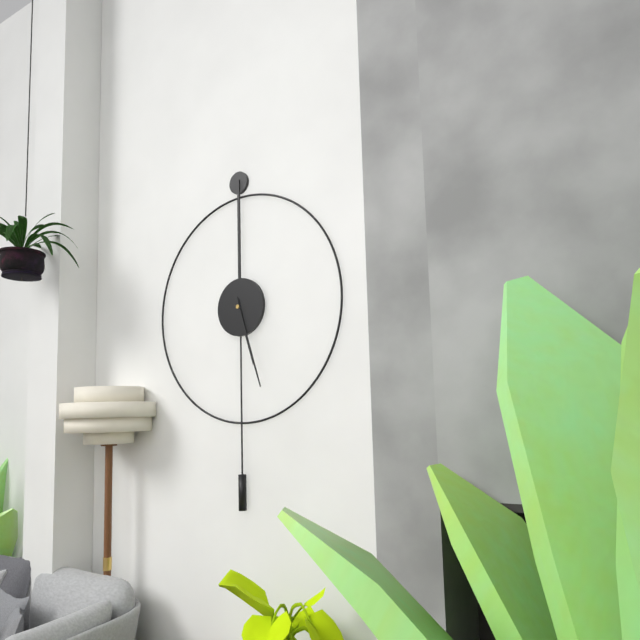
5:27
